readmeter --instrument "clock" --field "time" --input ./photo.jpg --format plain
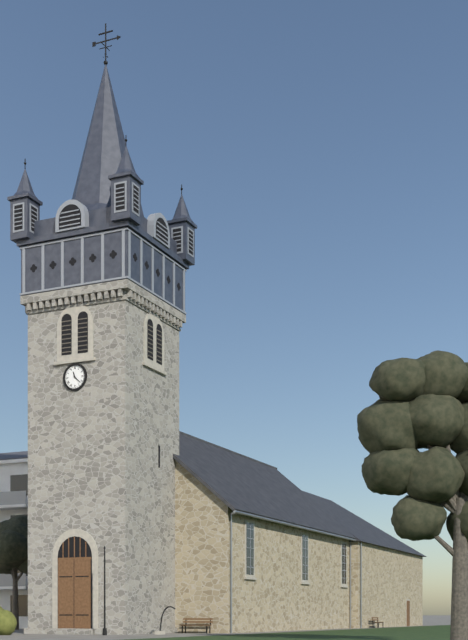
11:22
